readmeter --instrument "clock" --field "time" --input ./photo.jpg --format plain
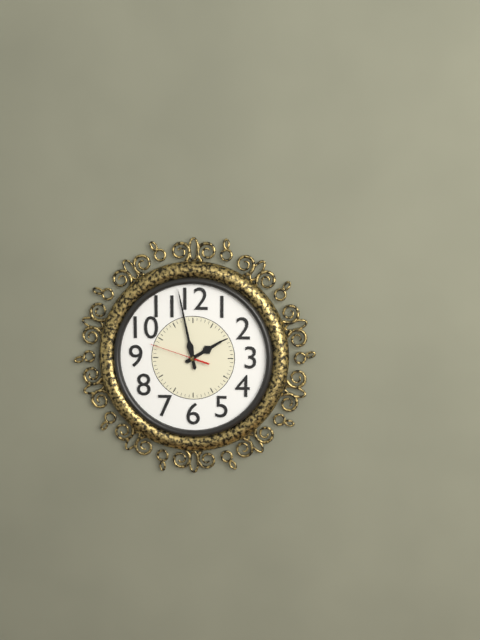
1:58:48
